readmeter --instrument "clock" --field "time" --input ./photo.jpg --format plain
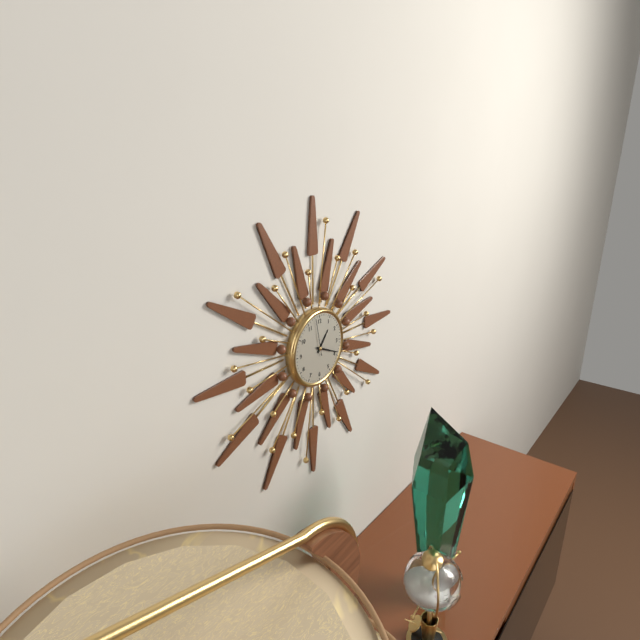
1:19
